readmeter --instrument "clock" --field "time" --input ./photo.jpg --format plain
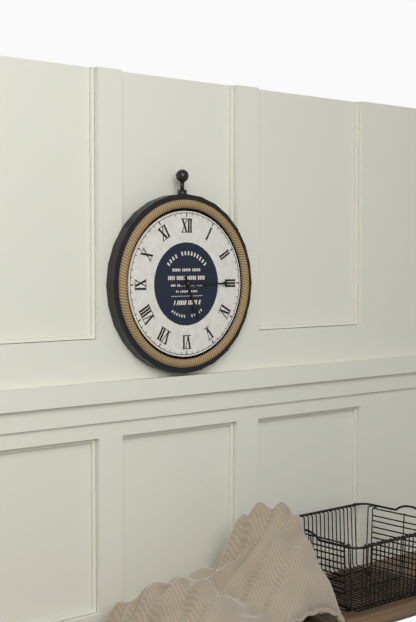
5:15
